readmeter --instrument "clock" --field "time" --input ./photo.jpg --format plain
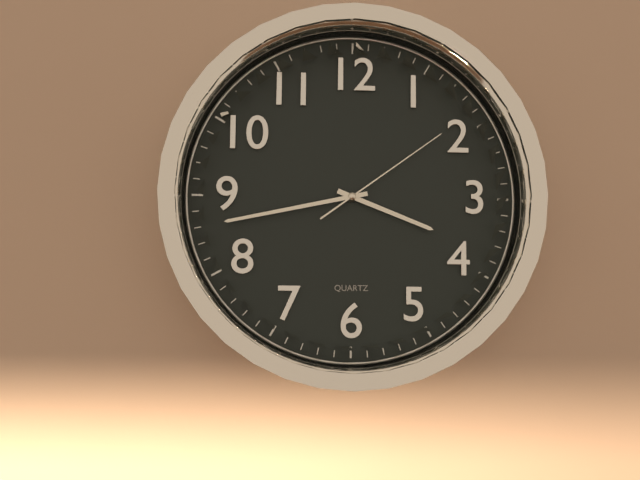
3:43:09
